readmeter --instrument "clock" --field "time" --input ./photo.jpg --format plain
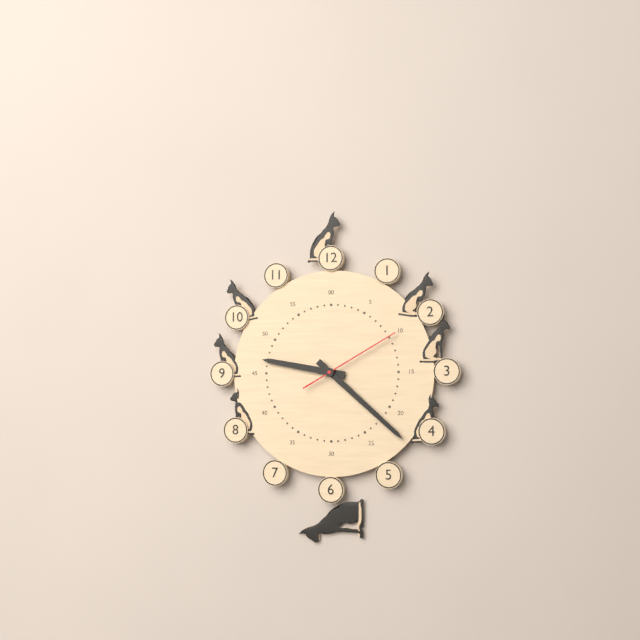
9:22:10
